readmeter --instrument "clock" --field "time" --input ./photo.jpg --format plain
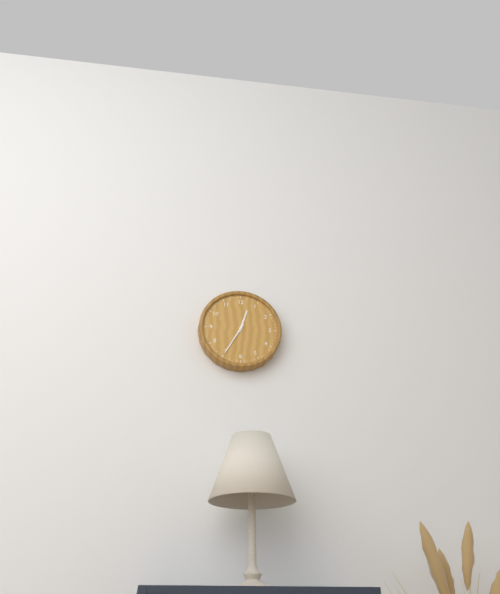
12:35
